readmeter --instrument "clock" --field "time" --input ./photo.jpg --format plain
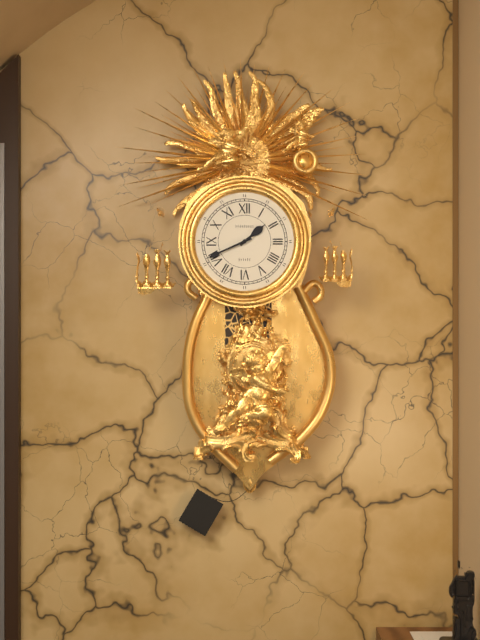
1:41
